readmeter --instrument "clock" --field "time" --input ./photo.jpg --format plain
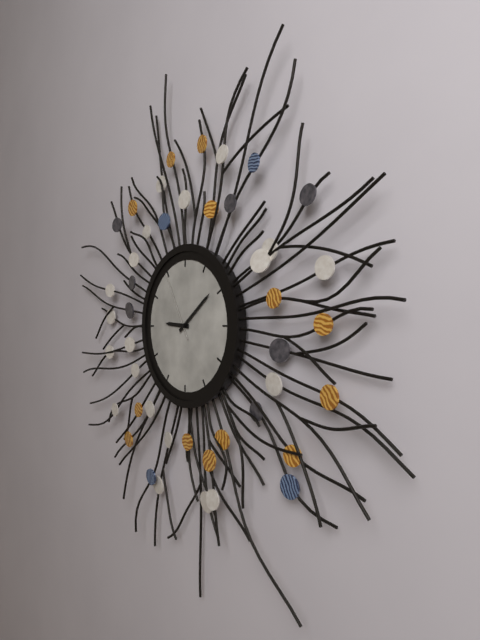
9:09:55
